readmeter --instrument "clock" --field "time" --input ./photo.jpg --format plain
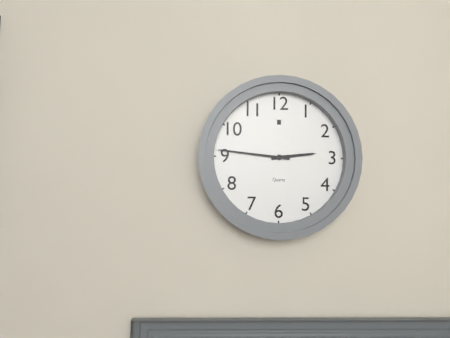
2:46
